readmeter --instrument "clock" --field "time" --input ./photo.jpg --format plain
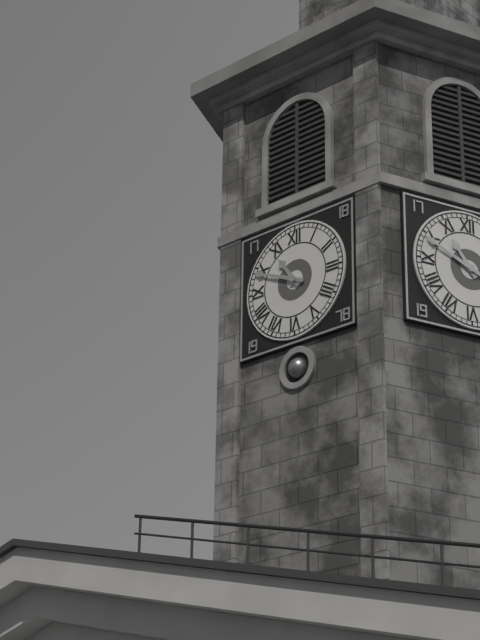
10:49
